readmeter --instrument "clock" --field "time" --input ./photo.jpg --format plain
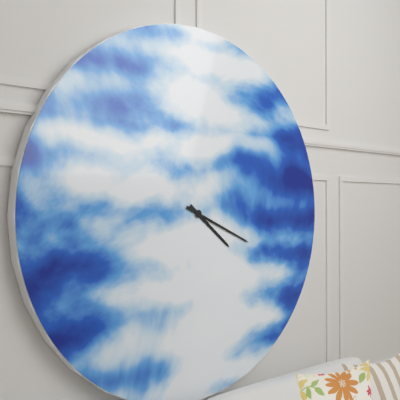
4:19
